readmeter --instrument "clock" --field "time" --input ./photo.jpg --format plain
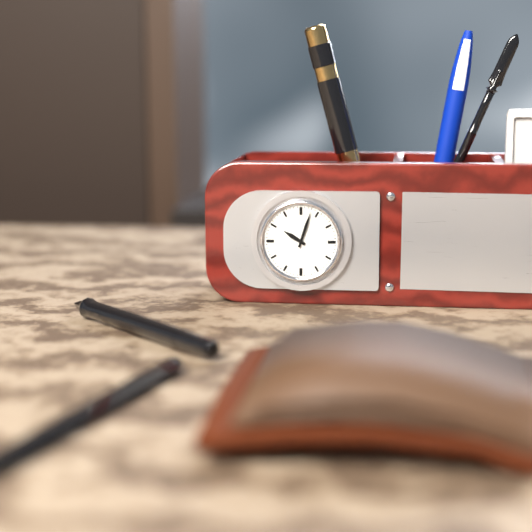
10:03
